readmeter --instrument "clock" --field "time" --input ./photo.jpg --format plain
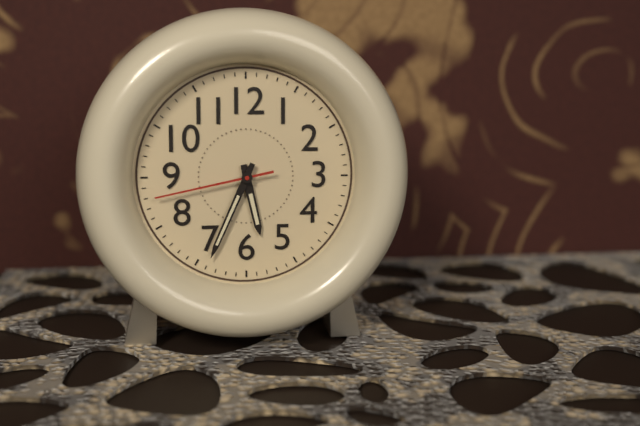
5:34:43
